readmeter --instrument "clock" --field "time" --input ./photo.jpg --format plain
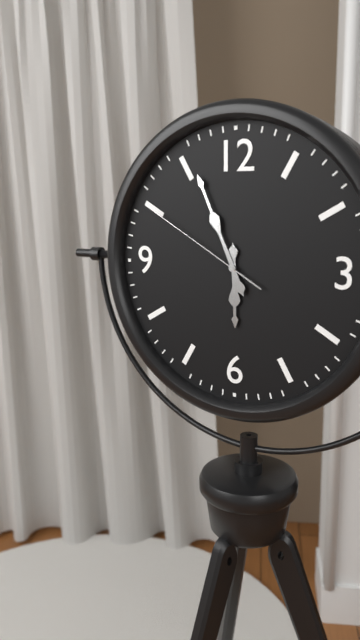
5:56:50
